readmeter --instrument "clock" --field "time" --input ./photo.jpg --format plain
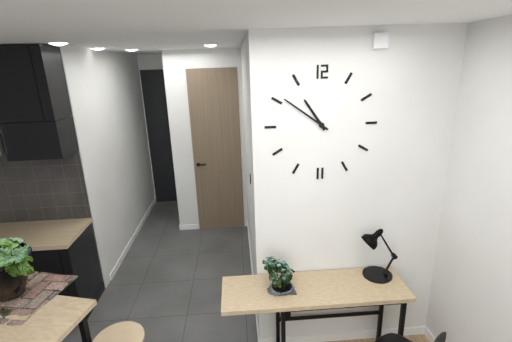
10:51
